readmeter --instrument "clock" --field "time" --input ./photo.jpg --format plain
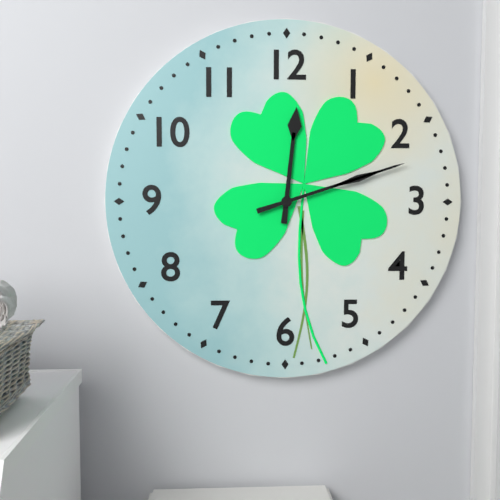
12:12
